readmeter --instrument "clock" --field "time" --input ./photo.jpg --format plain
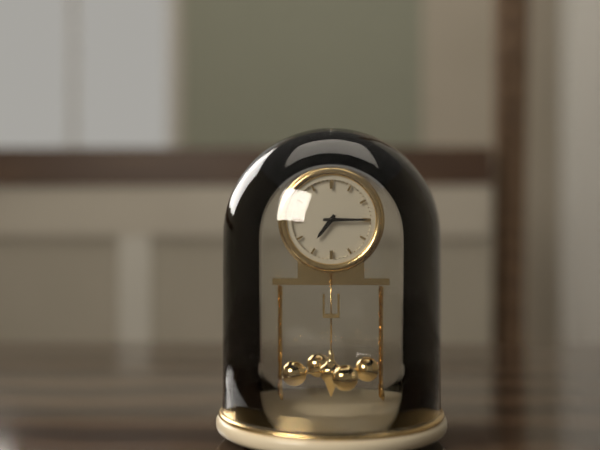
7:15
